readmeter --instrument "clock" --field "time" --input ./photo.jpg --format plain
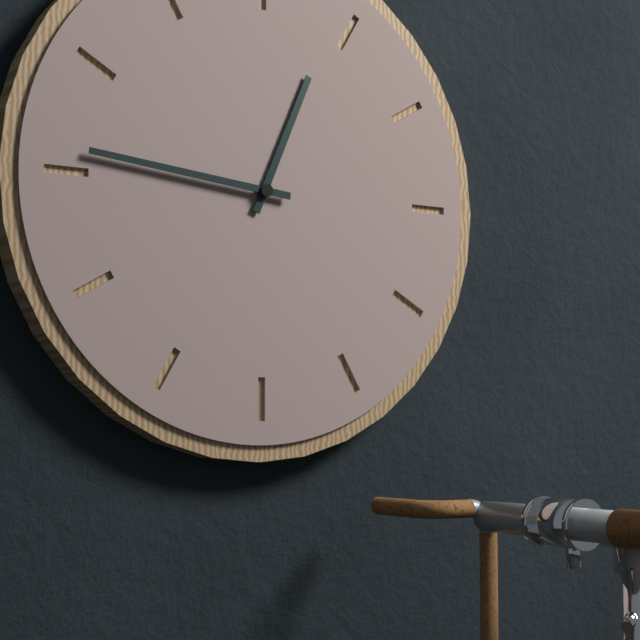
12:46
